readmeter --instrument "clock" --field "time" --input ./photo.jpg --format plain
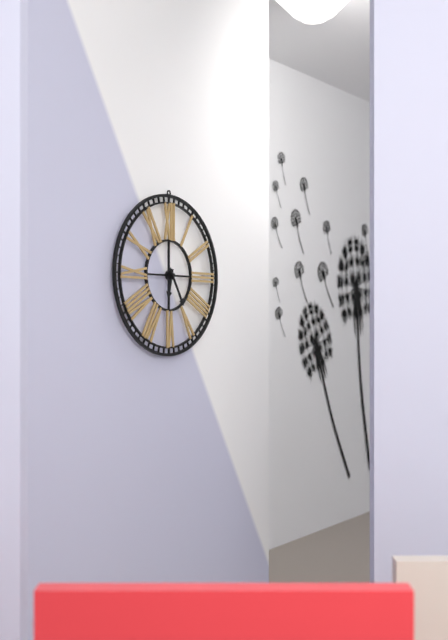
6:25
